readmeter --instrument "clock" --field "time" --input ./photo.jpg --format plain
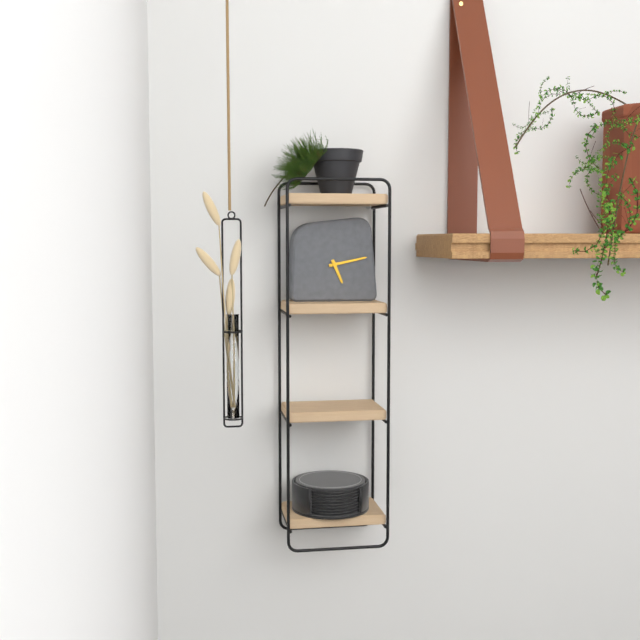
5:13
